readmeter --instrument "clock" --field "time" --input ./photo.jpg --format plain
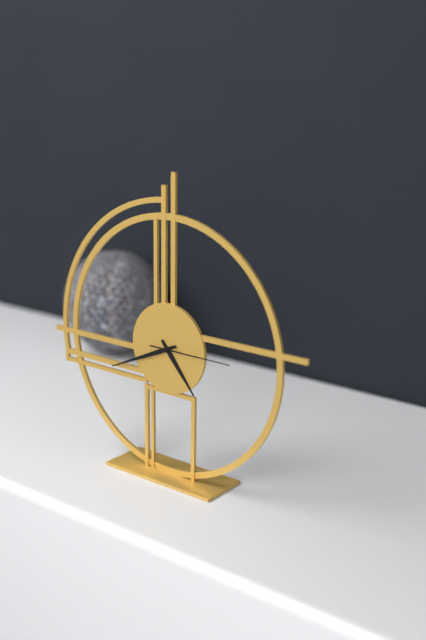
4:41:15
